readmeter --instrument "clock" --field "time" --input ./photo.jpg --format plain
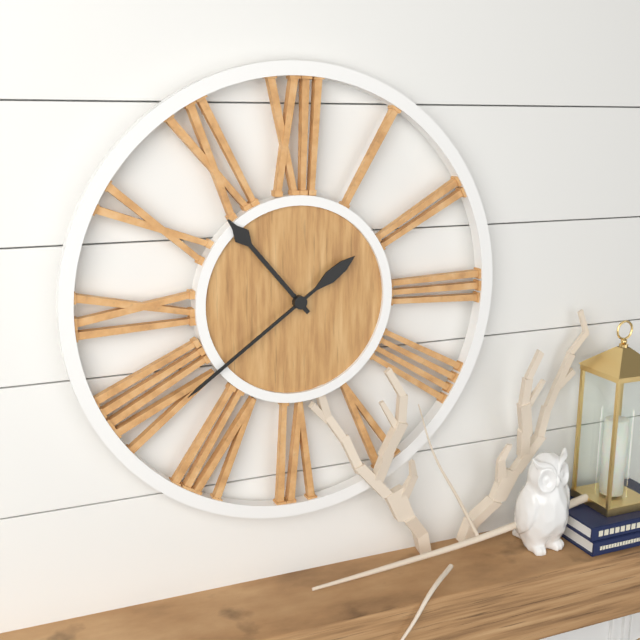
10:39
